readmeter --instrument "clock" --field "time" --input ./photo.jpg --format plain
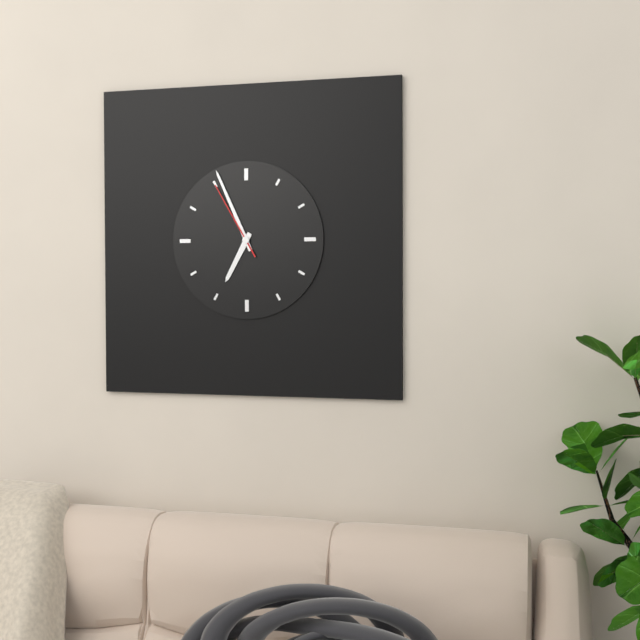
6:56:55
